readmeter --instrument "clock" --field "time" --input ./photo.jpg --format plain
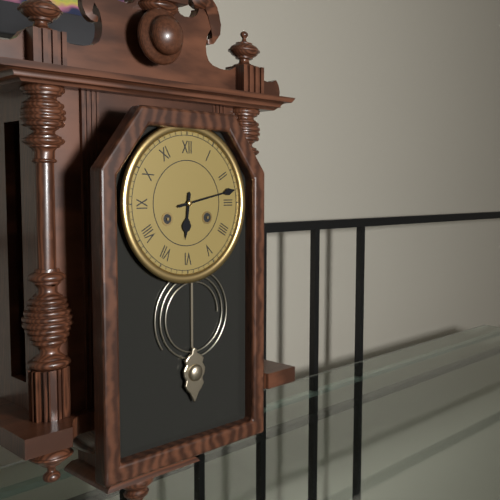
6:13
